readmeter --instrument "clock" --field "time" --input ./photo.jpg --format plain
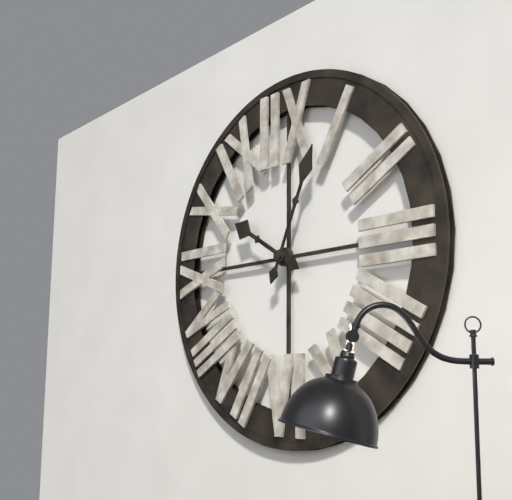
10:04
